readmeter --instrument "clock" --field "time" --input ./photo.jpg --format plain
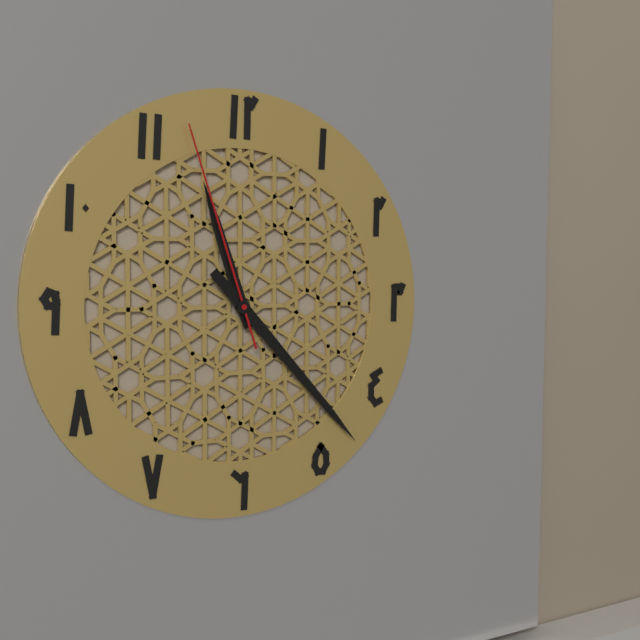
11:23:57
